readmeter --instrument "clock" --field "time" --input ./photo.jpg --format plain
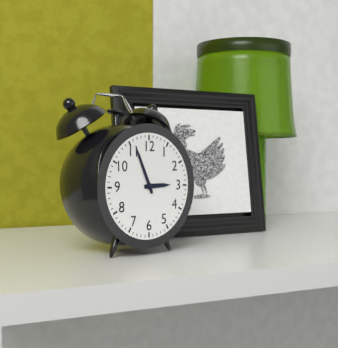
2:56
